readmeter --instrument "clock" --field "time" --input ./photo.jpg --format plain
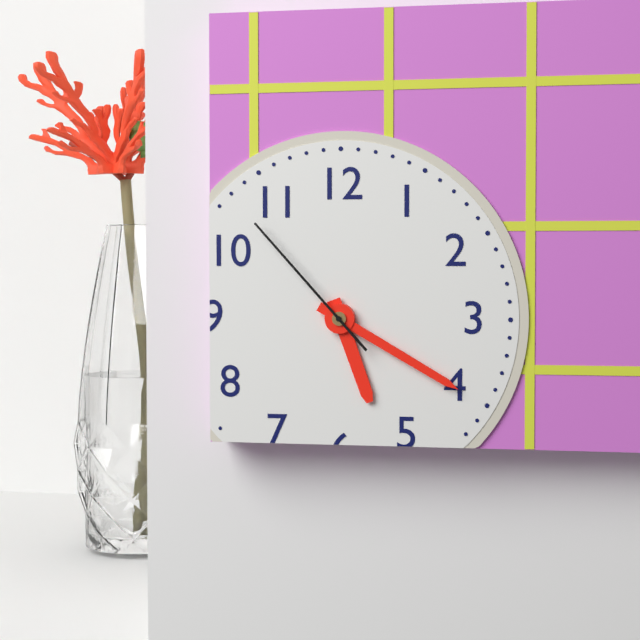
5:20:53
